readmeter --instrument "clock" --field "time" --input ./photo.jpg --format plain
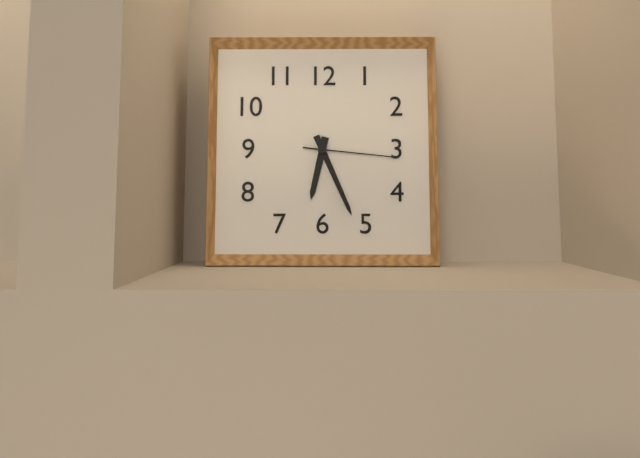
6:26:16
